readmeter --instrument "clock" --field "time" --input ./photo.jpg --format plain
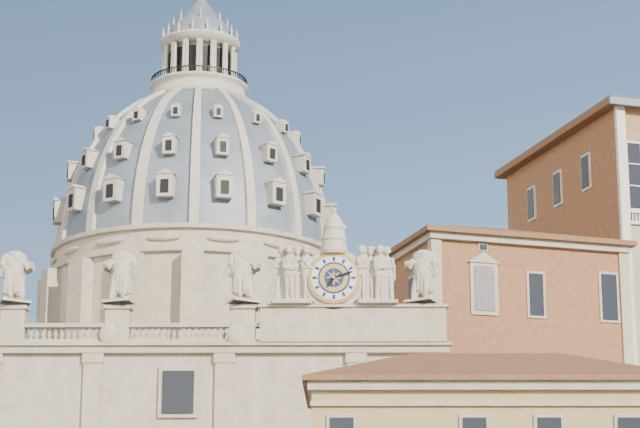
7:12
